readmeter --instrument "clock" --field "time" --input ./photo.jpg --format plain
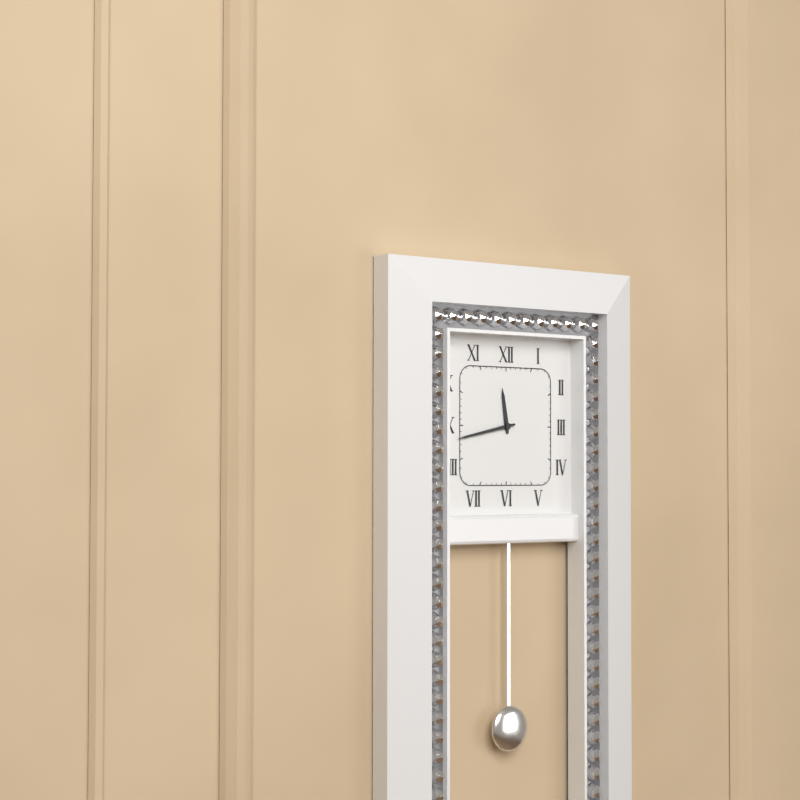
11:43
